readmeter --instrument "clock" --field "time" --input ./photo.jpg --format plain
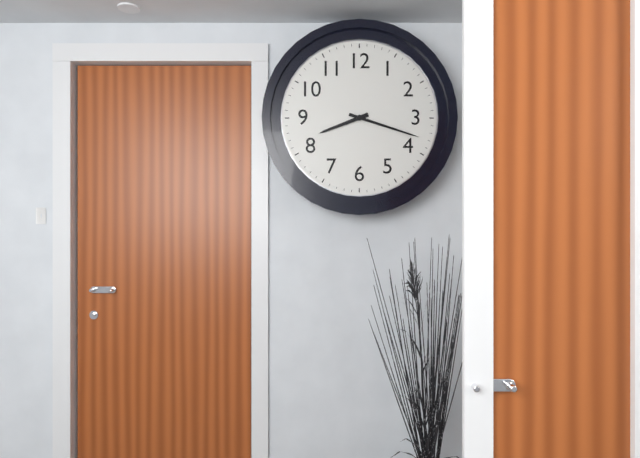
8:18
